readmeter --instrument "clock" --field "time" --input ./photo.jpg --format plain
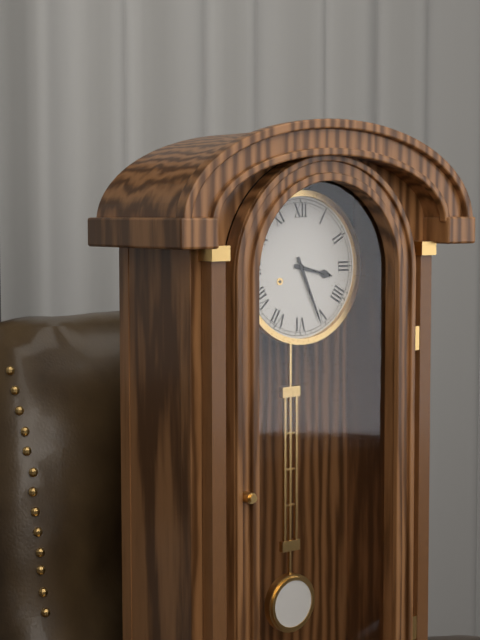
3:26
